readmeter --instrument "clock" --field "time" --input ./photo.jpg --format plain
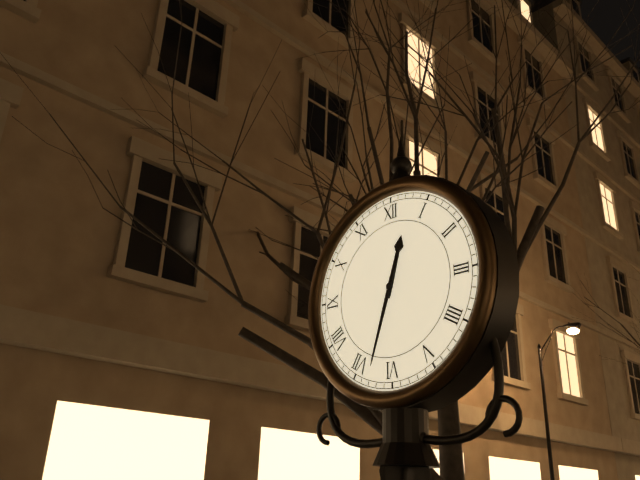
12:33
